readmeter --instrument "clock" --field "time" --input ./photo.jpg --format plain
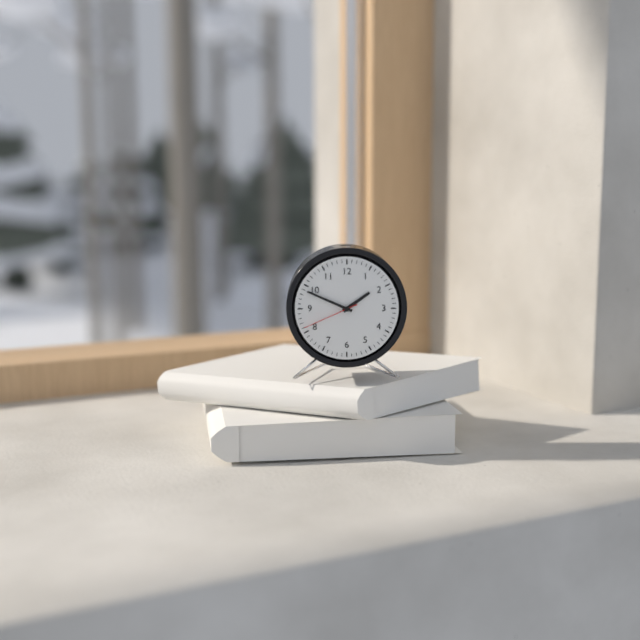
1:49:41
